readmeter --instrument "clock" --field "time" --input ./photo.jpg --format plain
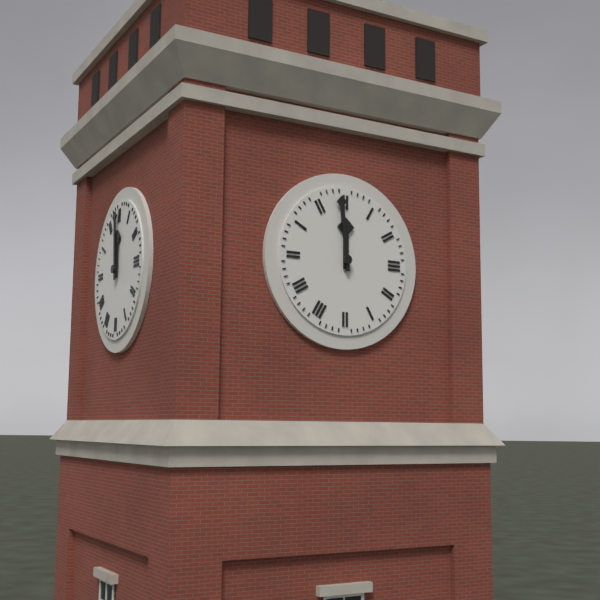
11:59
